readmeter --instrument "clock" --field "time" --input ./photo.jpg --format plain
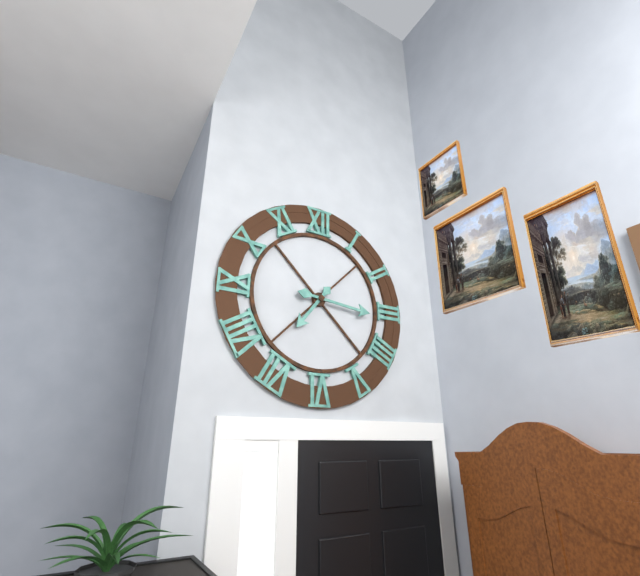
7:16
